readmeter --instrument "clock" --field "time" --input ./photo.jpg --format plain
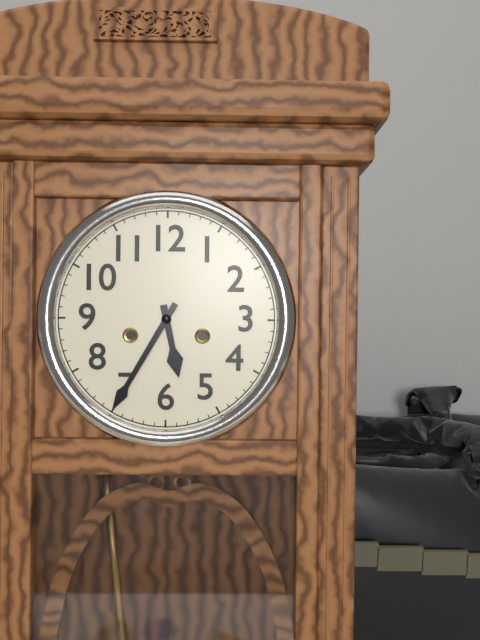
5:35
